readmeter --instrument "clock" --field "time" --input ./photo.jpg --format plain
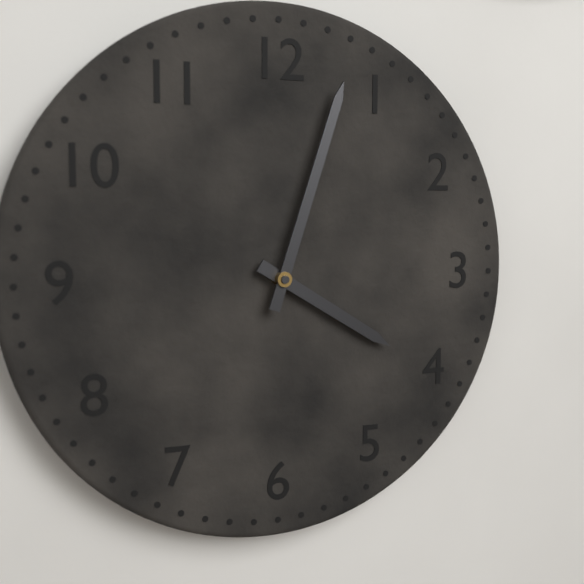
4:03
